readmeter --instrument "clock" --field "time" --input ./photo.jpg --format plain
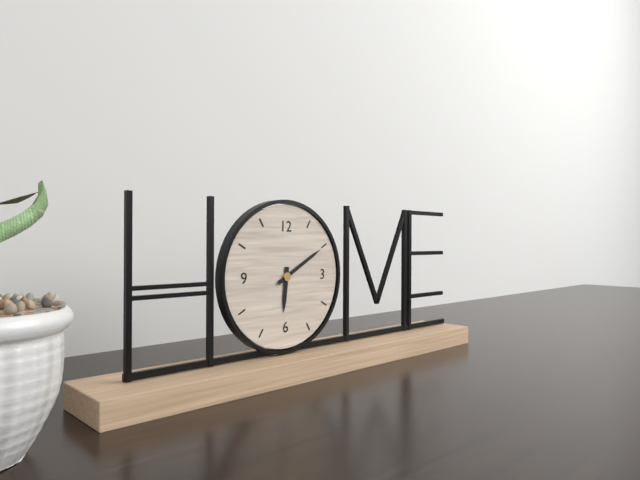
6:10
